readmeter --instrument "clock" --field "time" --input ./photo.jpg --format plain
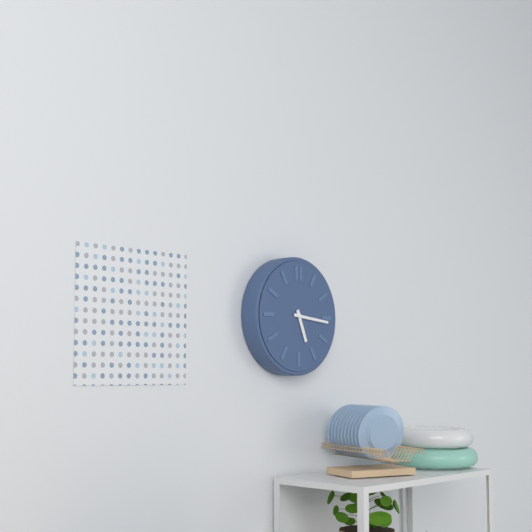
5:16
